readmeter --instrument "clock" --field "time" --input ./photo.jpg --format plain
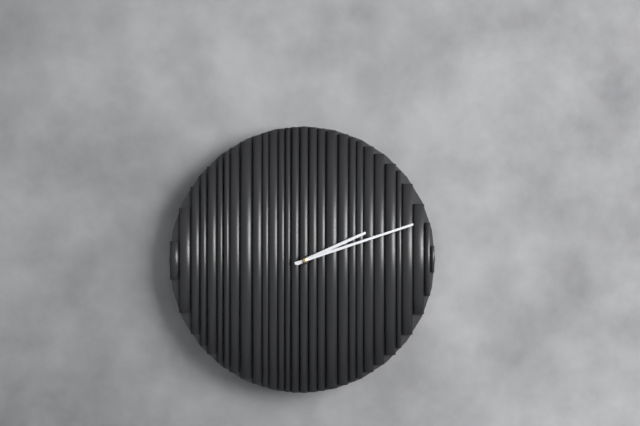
2:12
